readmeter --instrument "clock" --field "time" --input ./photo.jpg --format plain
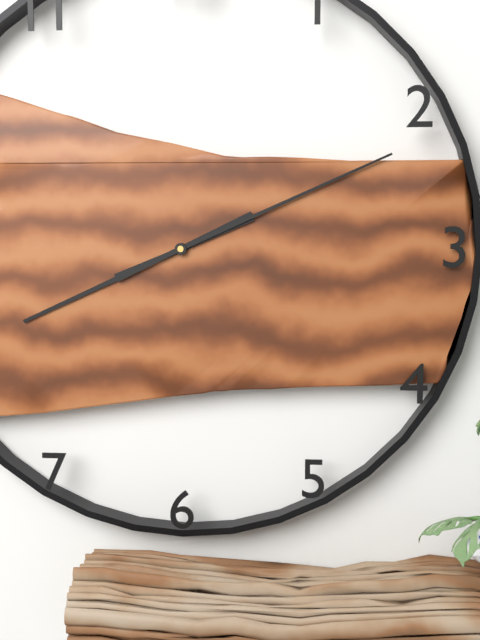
8:11
